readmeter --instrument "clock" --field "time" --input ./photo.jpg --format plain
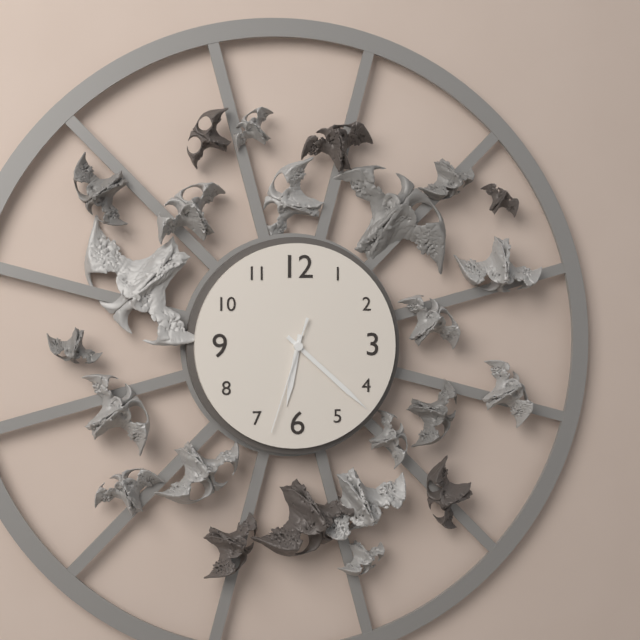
6:22:33
